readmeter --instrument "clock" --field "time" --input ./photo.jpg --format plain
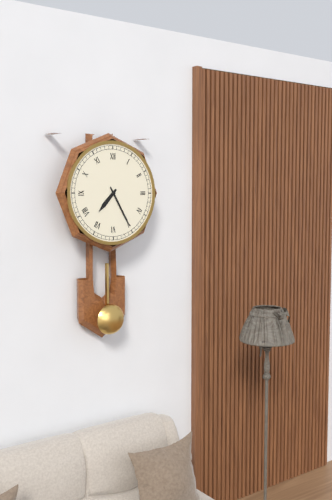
7:25
